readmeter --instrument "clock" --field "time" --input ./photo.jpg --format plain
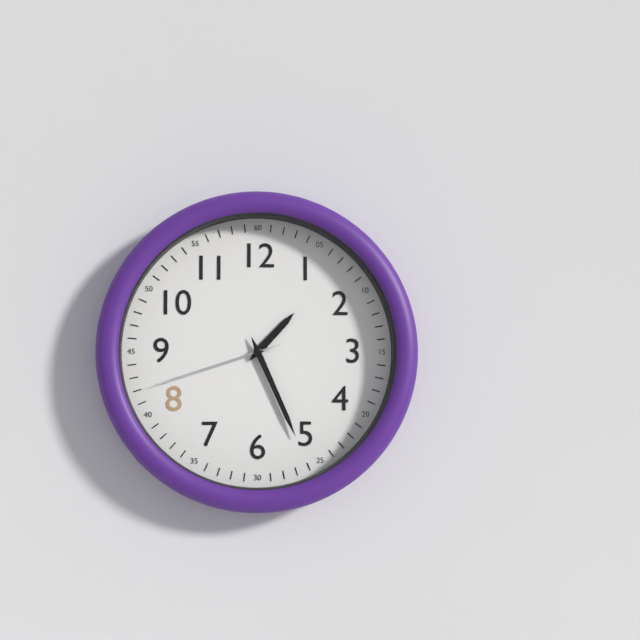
1:26:42
